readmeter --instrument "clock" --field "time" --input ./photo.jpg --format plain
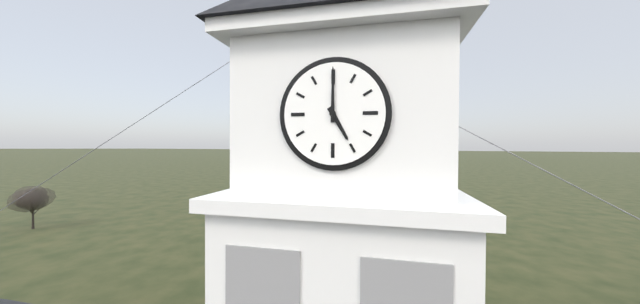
5:00
